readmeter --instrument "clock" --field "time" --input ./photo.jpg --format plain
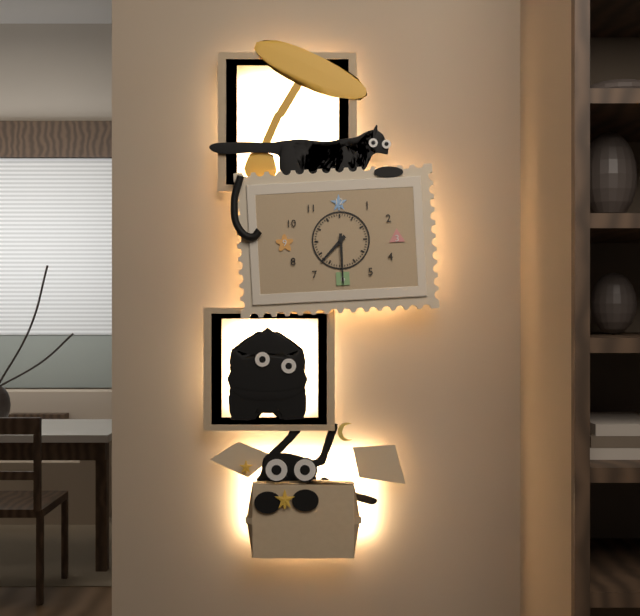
7:30
